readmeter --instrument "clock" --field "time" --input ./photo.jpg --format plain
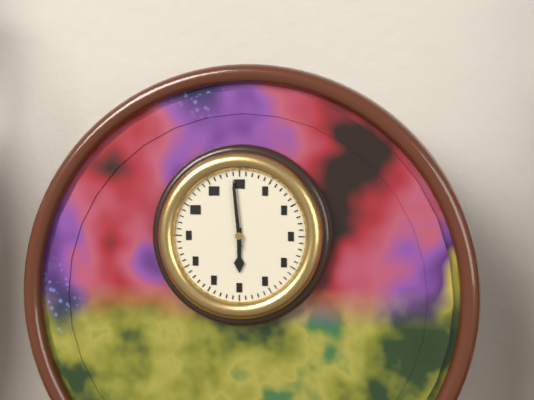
5:59
